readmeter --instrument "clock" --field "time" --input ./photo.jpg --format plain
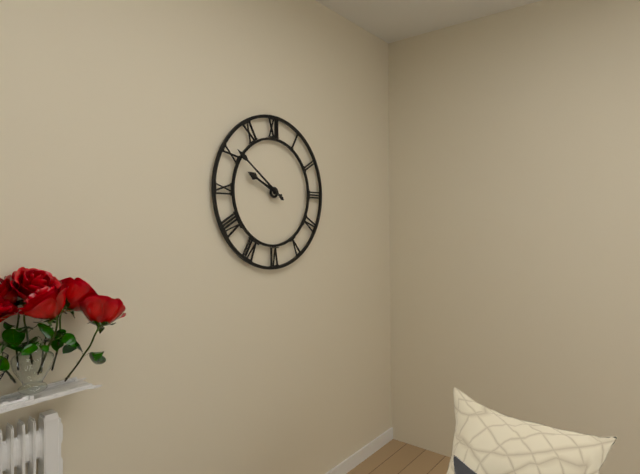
9:51
